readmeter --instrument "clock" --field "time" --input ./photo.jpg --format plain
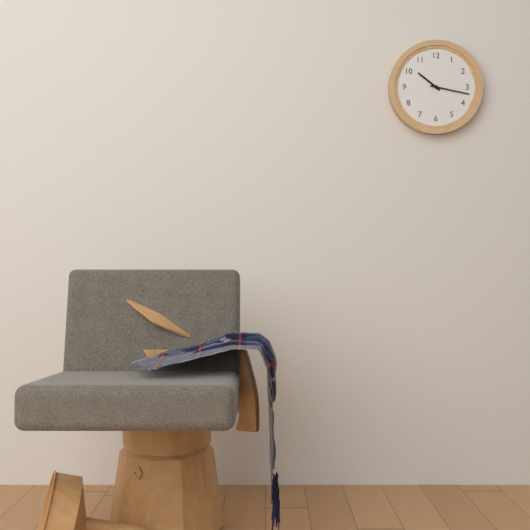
10:17
